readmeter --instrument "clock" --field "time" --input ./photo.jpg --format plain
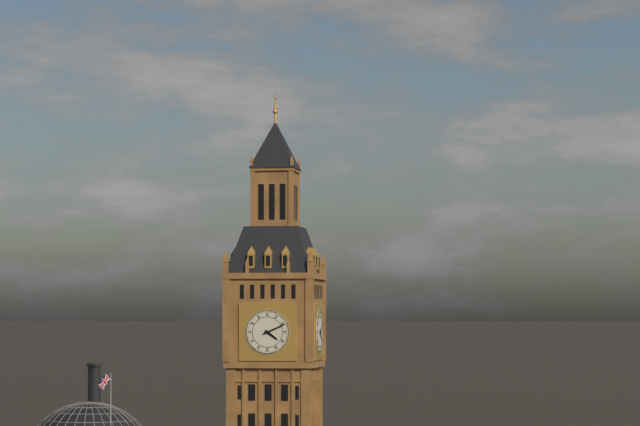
4:11
